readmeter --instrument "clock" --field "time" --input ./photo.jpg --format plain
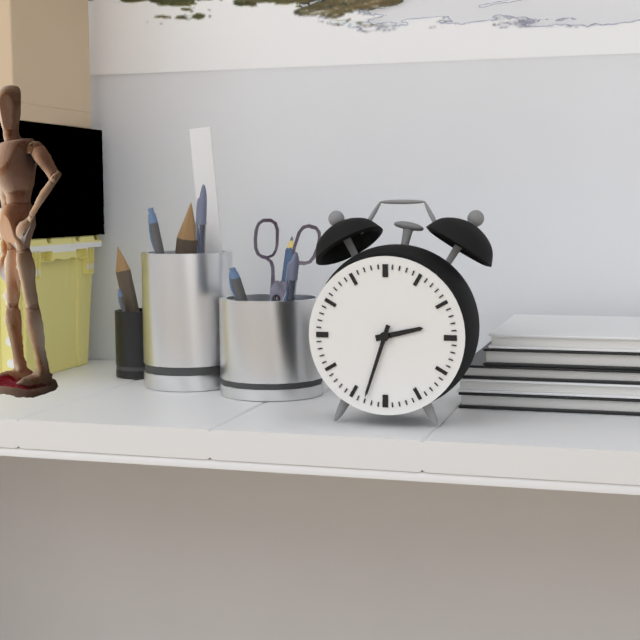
2:33
